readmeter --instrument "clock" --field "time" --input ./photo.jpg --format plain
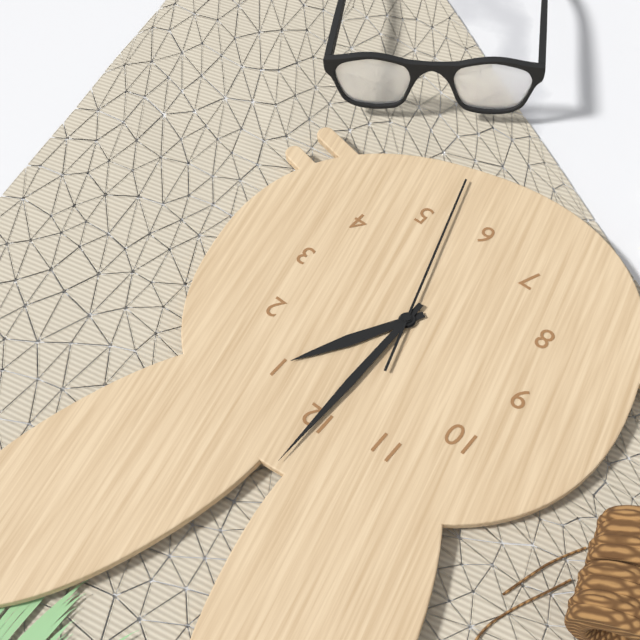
1:00:27
